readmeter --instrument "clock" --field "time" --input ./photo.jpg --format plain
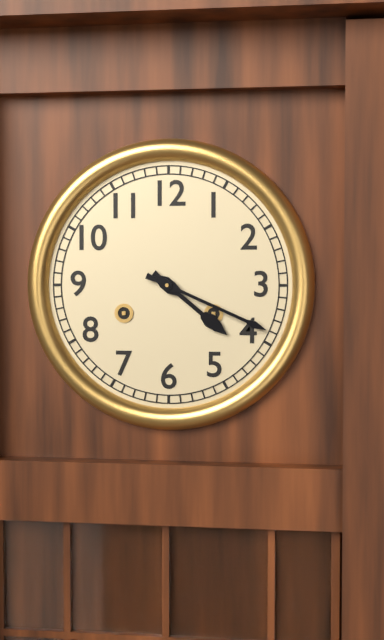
4:19
